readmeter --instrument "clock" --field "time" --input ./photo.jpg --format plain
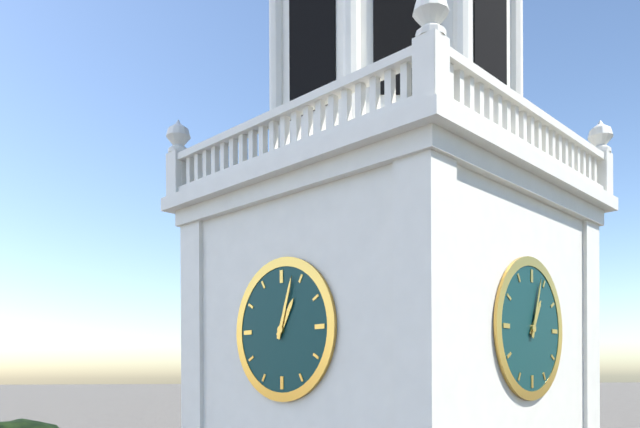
1:03
